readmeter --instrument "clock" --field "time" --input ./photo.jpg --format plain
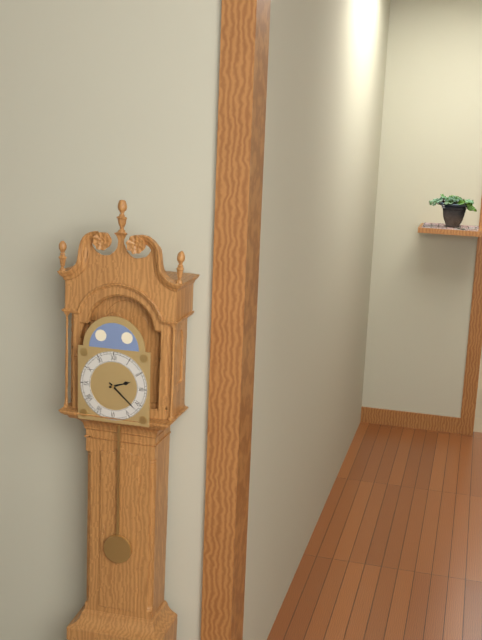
2:22
